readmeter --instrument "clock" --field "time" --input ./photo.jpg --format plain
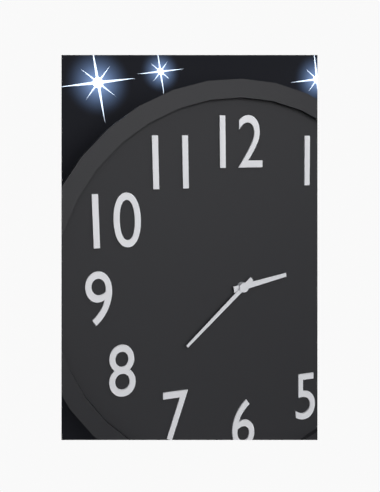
2:38
